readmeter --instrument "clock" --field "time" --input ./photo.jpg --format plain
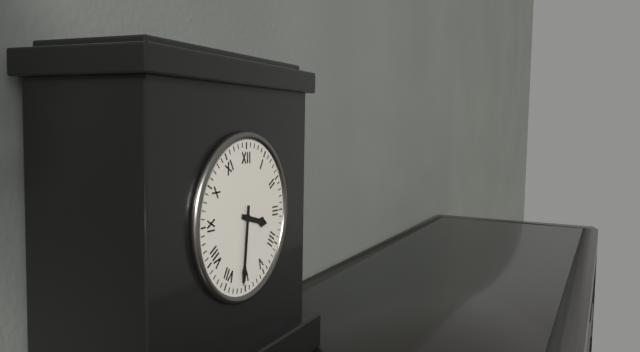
3:31
